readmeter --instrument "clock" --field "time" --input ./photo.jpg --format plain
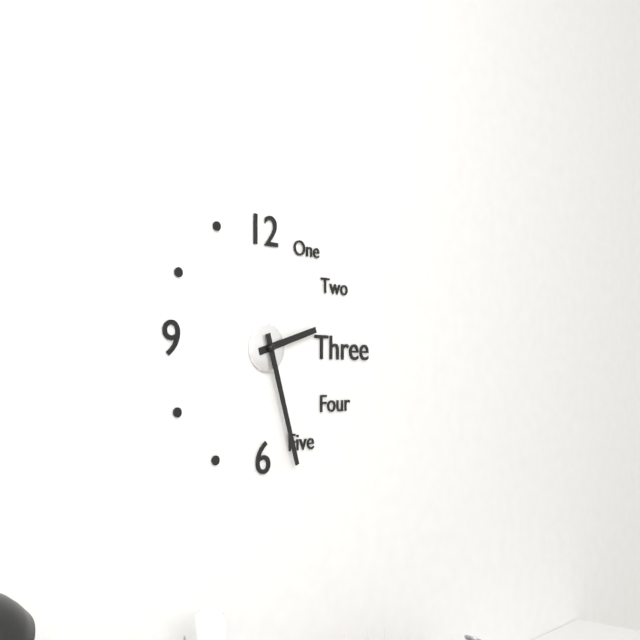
2:27
